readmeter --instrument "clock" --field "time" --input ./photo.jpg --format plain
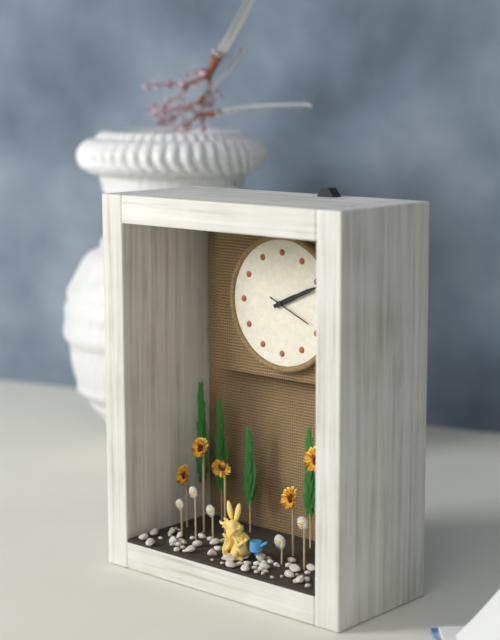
2:11
